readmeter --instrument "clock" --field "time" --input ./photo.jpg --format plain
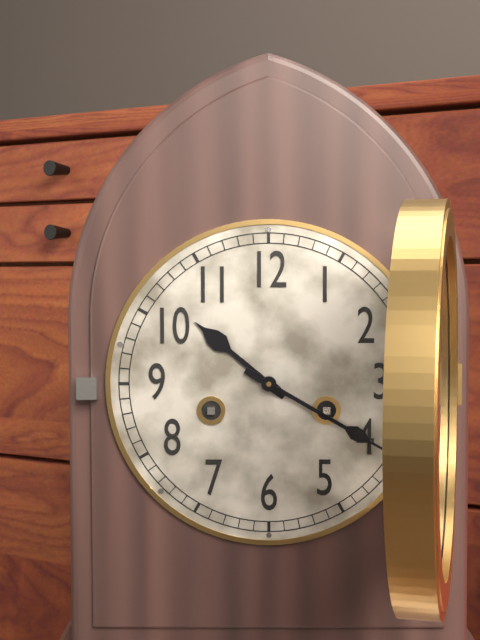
10:20
